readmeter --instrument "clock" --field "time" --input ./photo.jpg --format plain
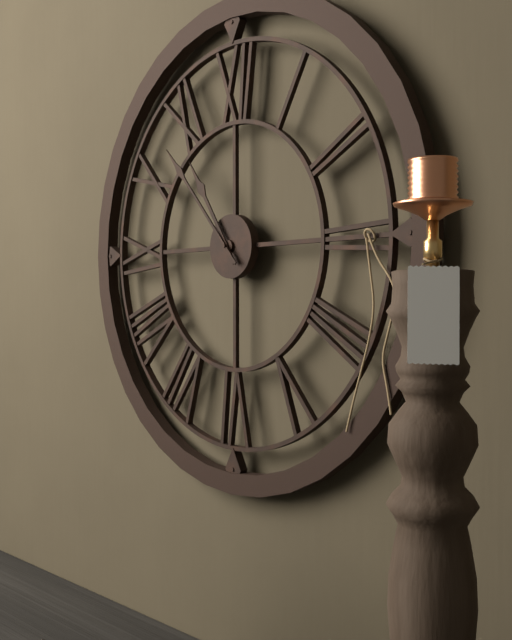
10:53
